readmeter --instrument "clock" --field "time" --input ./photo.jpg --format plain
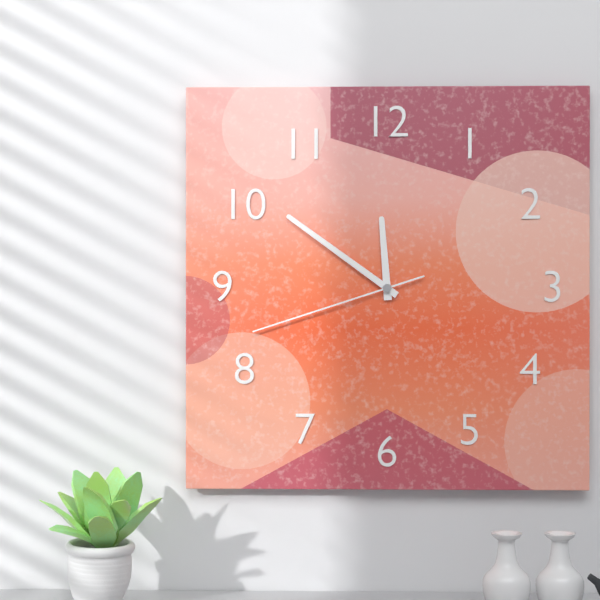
11:51:42
